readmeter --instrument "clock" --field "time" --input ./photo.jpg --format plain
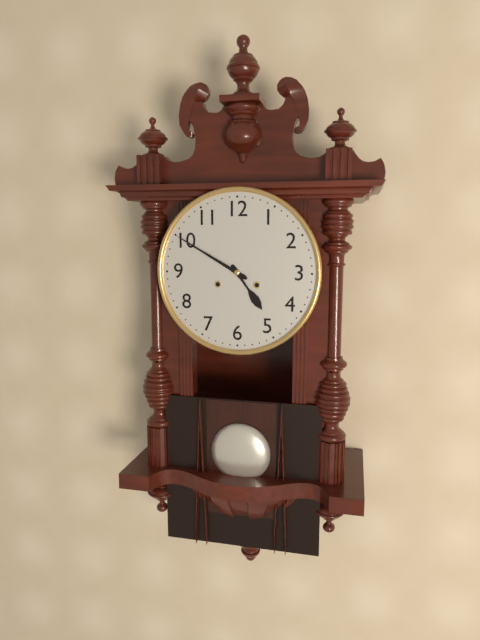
4:50
